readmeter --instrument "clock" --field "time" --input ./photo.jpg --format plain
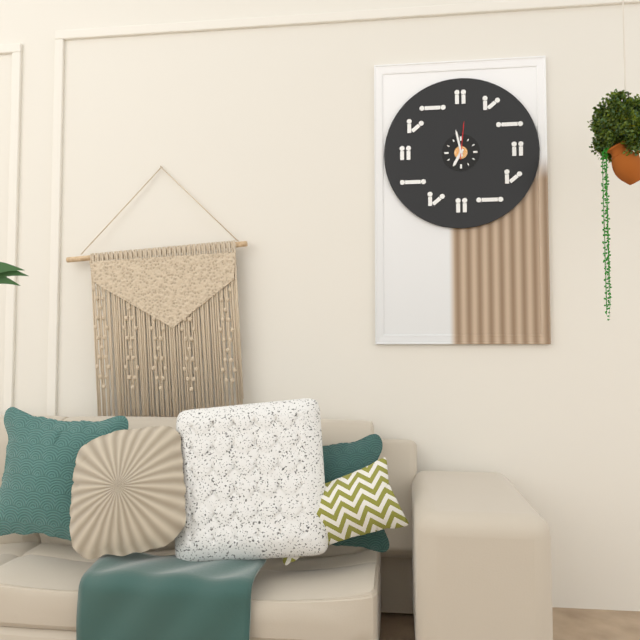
6:58
